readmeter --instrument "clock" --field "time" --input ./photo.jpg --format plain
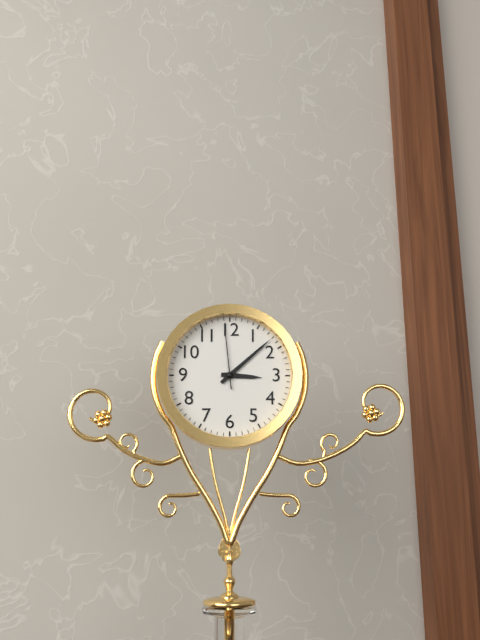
3:08:59
